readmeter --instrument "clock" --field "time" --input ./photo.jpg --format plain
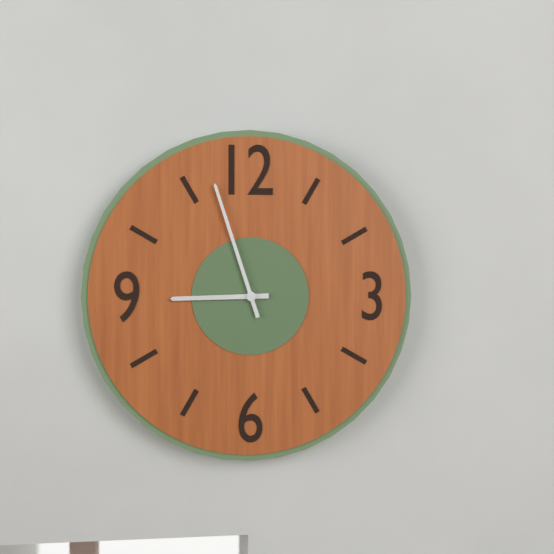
8:57
